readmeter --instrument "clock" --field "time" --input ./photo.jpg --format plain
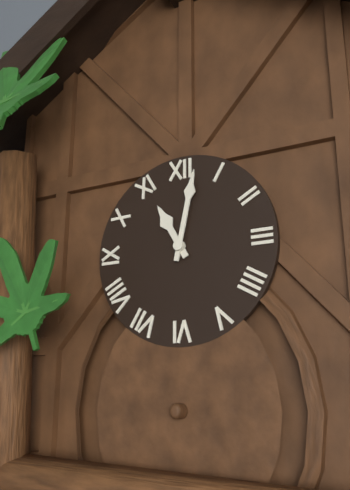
11:02
